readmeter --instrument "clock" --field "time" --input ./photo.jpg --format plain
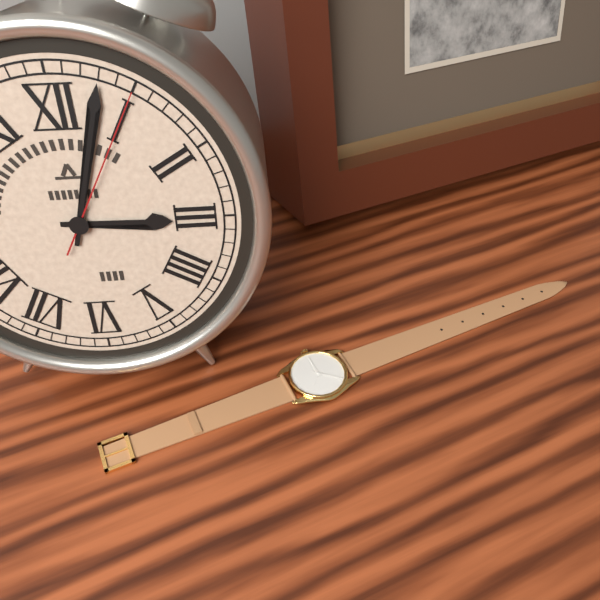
3:03:05
